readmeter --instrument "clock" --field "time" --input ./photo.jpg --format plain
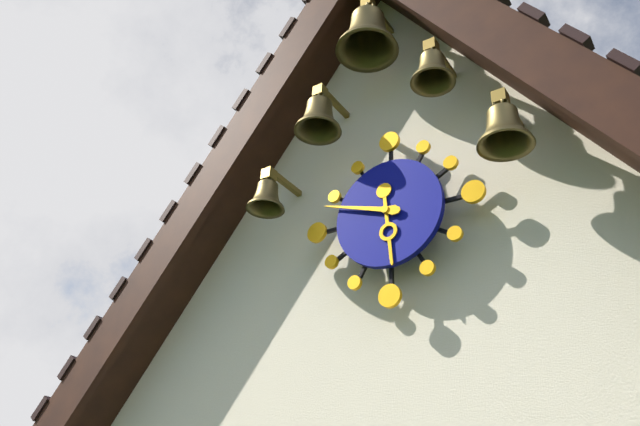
5:48
